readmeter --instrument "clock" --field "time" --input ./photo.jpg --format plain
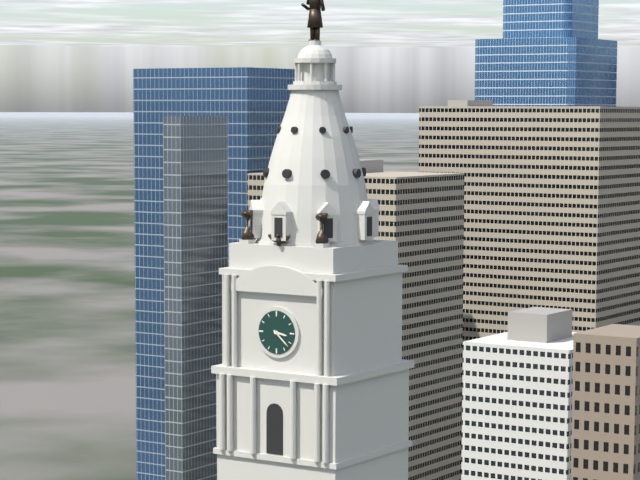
3:22
